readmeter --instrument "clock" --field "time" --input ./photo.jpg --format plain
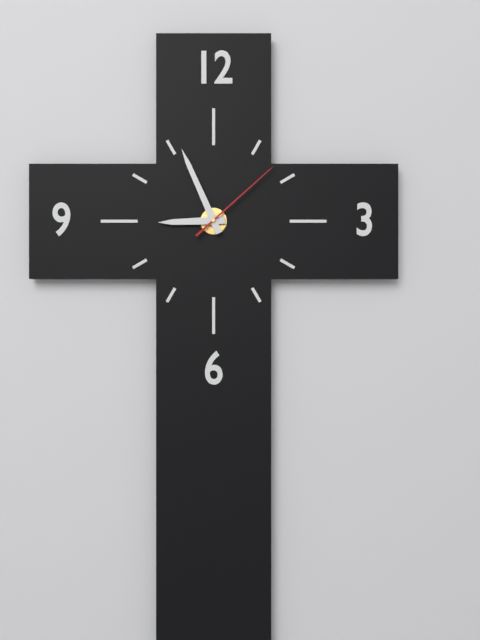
8:56:08
